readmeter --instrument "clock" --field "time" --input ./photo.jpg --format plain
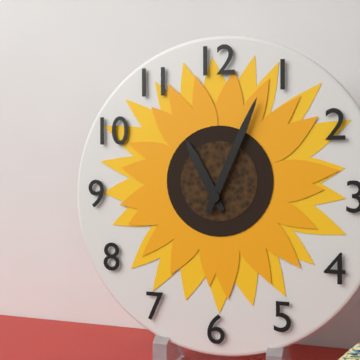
11:04
